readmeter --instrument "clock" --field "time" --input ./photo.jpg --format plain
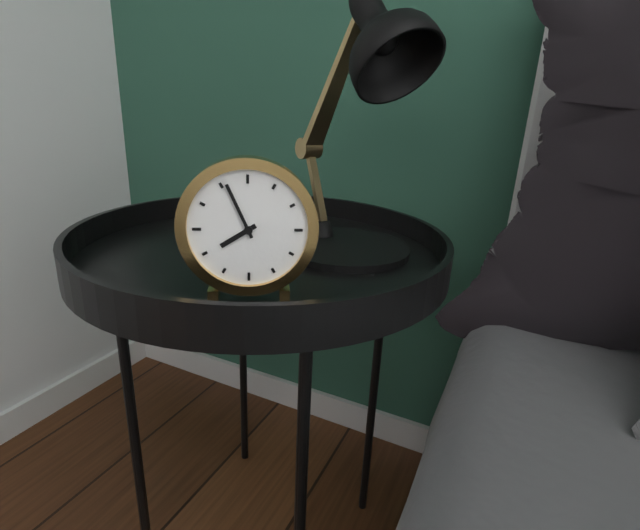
7:56
